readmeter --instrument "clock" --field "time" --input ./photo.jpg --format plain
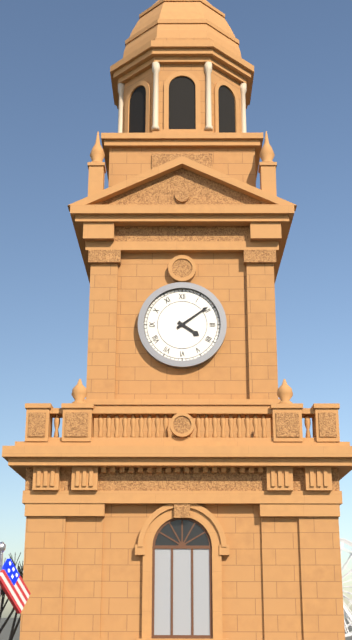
4:09
